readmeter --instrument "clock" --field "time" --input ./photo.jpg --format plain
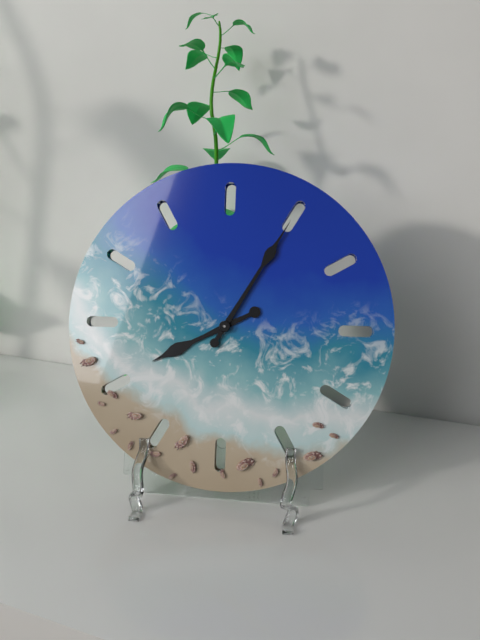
8:05
